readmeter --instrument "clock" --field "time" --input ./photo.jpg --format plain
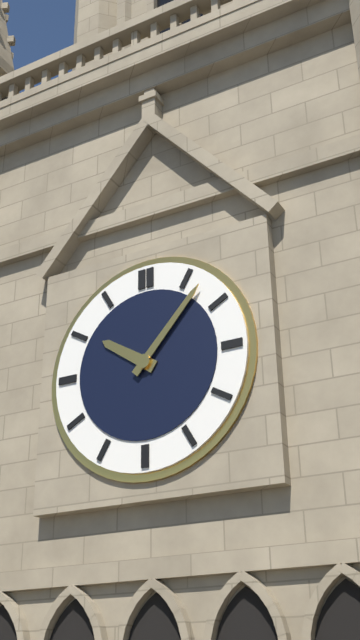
10:07
